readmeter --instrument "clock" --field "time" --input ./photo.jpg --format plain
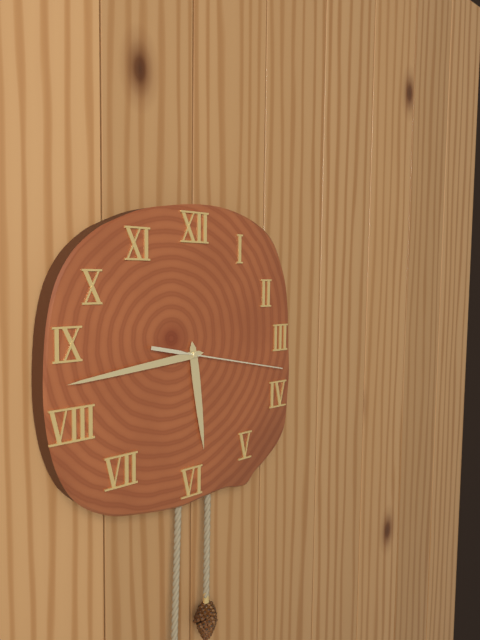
5:44:17
